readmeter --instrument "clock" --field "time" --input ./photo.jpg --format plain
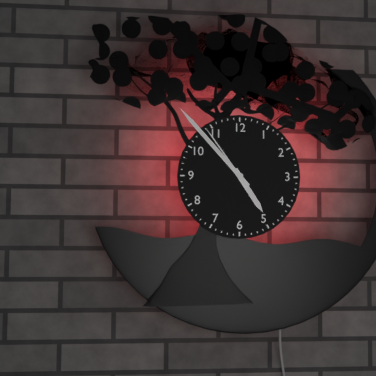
4:53:54
